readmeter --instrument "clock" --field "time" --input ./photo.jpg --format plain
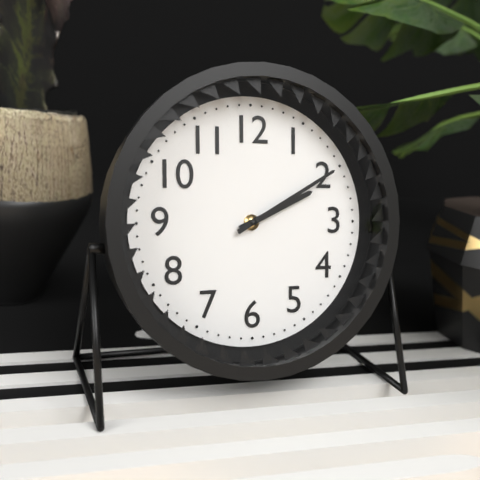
2:10
